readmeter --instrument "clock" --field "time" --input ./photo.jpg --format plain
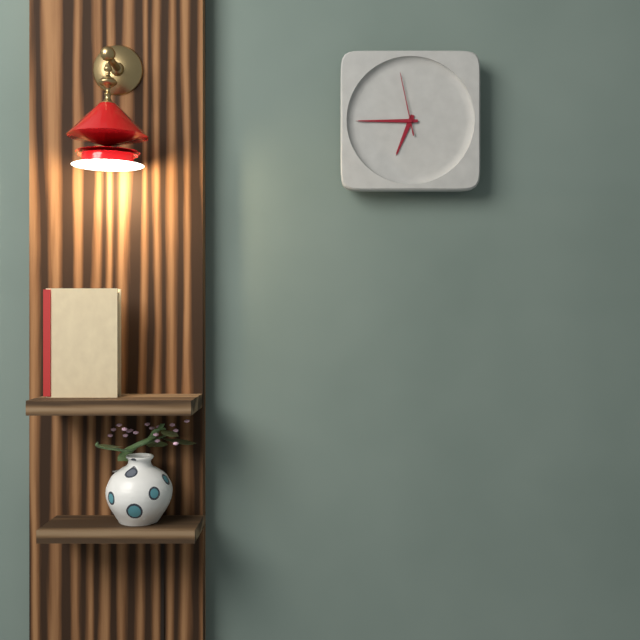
6:45:58
